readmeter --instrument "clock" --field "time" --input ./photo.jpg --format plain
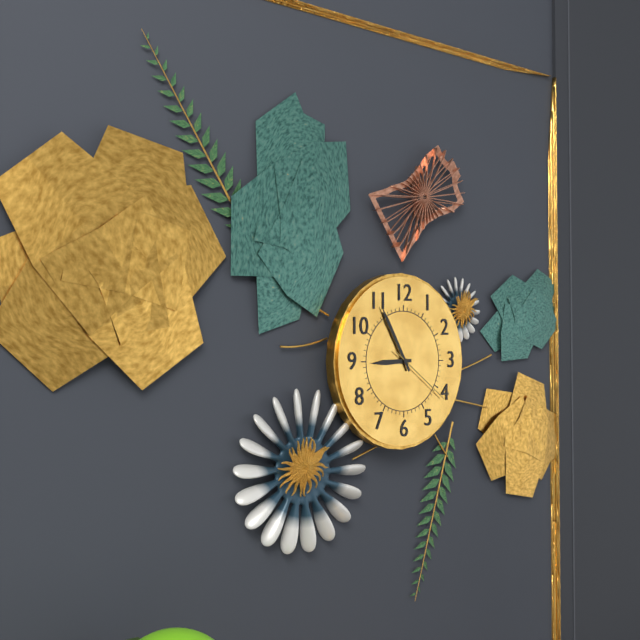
8:55:21
